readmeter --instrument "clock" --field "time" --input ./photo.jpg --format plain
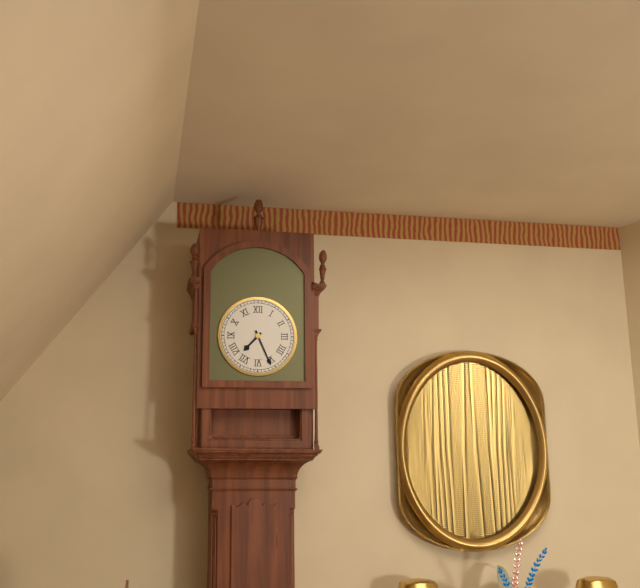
7:26
